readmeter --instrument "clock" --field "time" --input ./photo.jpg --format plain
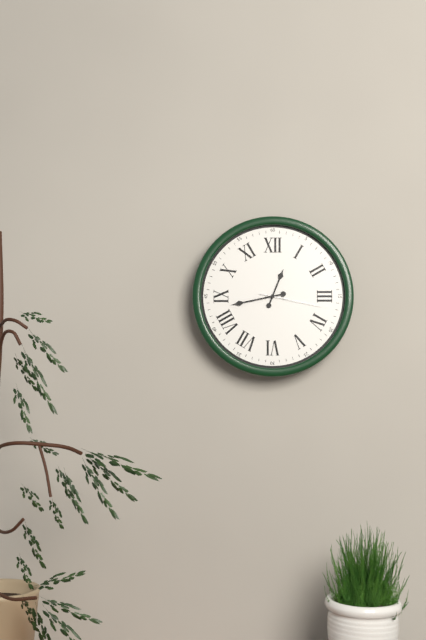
12:43:17
